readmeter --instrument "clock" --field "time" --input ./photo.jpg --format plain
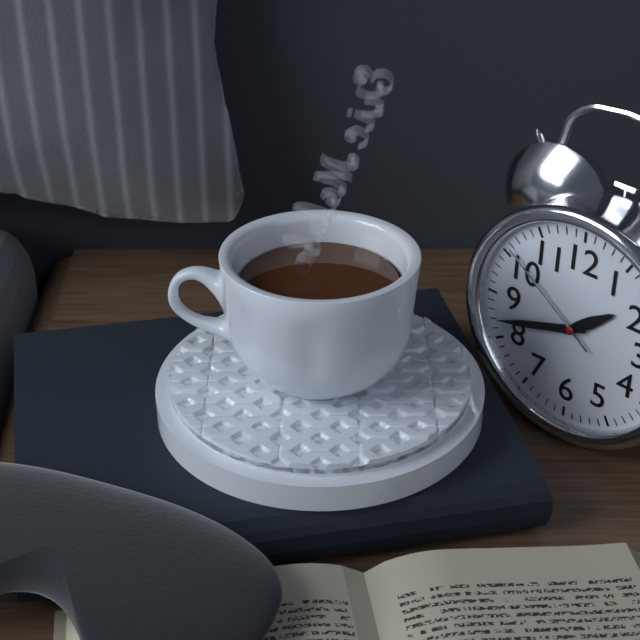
1:42:51
